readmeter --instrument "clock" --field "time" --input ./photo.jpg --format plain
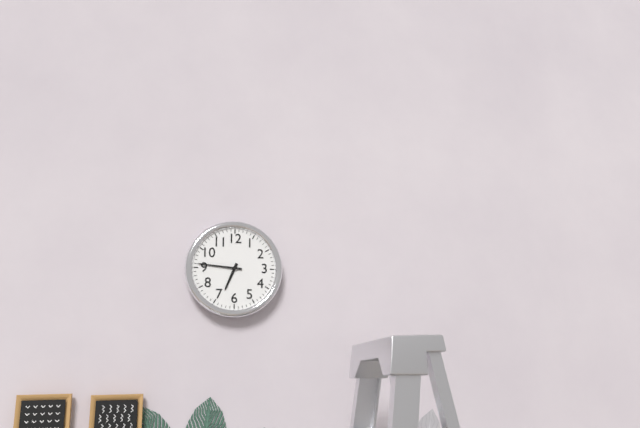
6:46
